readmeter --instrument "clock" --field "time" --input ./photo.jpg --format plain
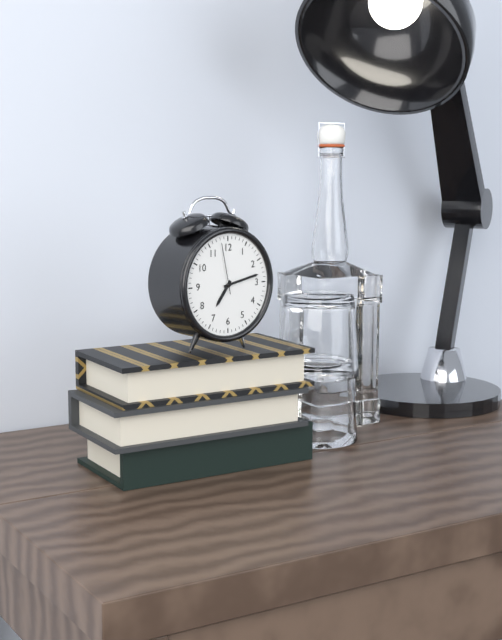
7:13:58
